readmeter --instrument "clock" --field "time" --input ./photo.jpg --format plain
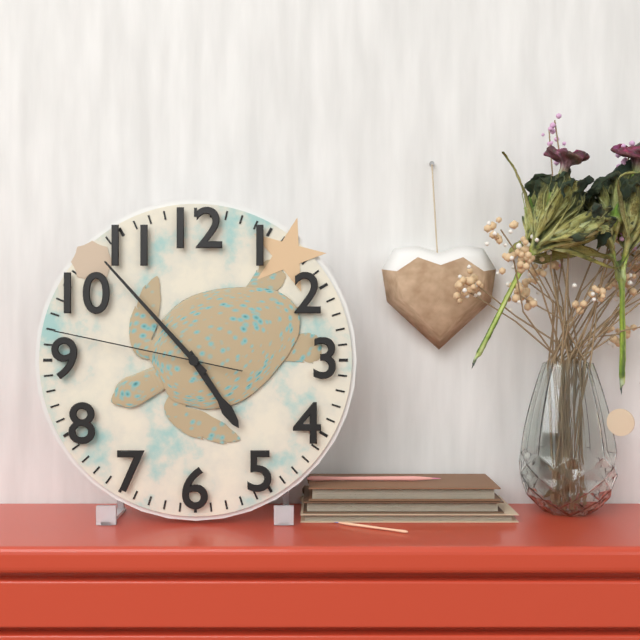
4:53:47
